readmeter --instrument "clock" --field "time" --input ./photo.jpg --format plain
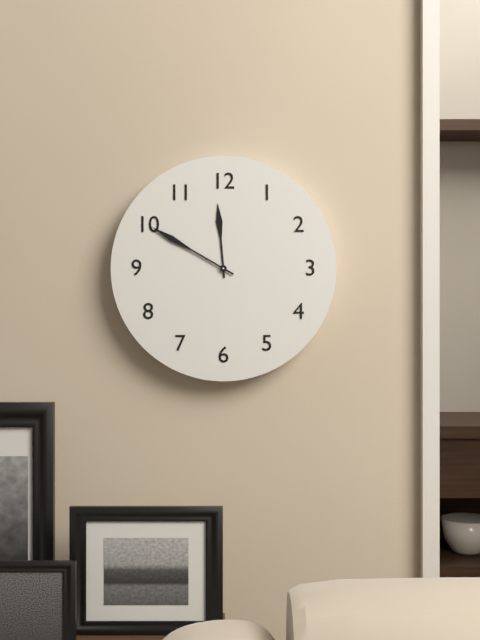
11:50
